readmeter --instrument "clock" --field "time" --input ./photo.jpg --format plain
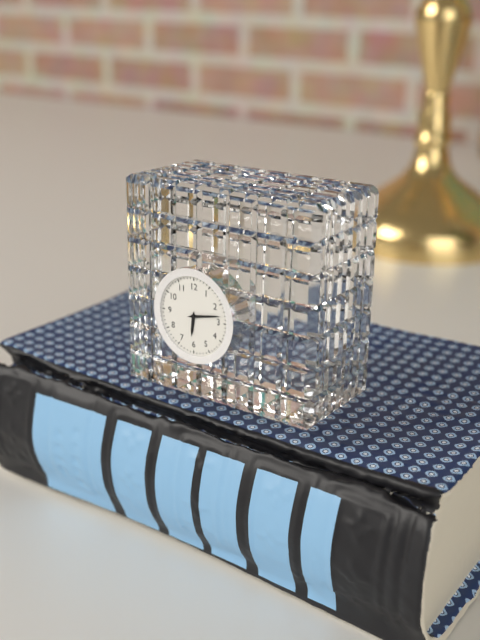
6:13
